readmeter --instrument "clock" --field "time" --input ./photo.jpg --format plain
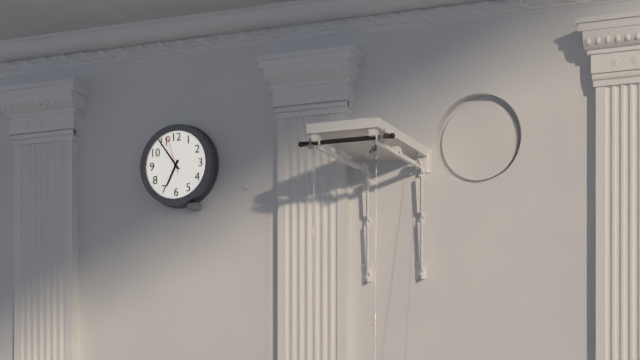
6:54
